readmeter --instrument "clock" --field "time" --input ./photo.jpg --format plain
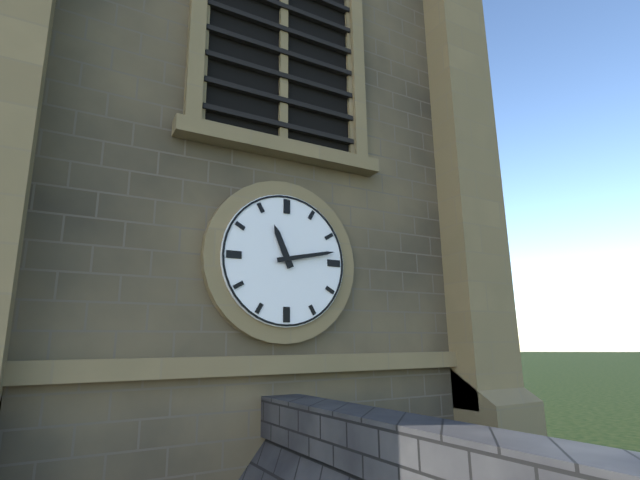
11:13
